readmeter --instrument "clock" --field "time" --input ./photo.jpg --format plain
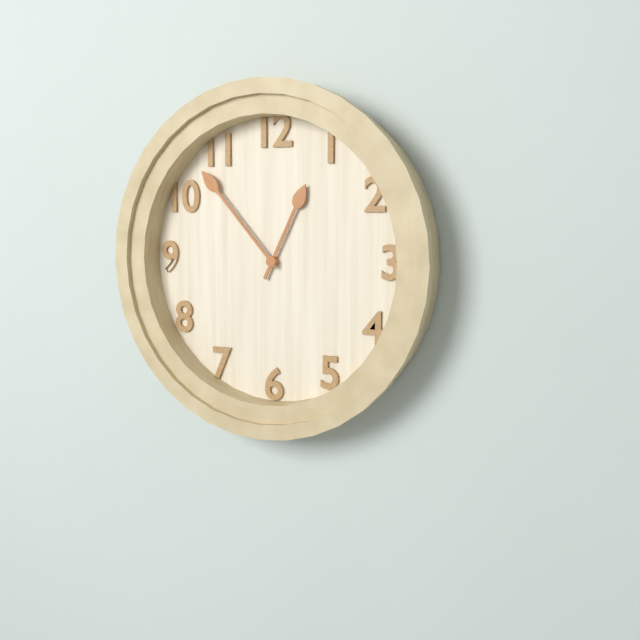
12:53
